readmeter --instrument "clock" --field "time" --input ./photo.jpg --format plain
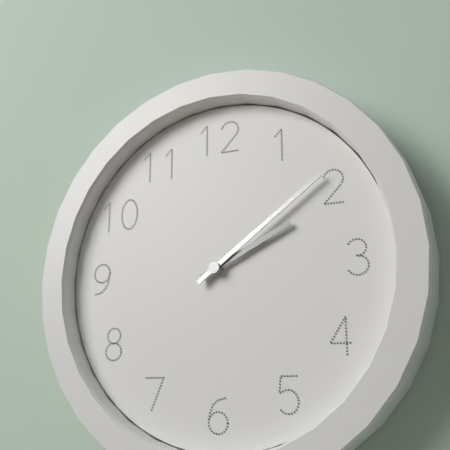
2:09
